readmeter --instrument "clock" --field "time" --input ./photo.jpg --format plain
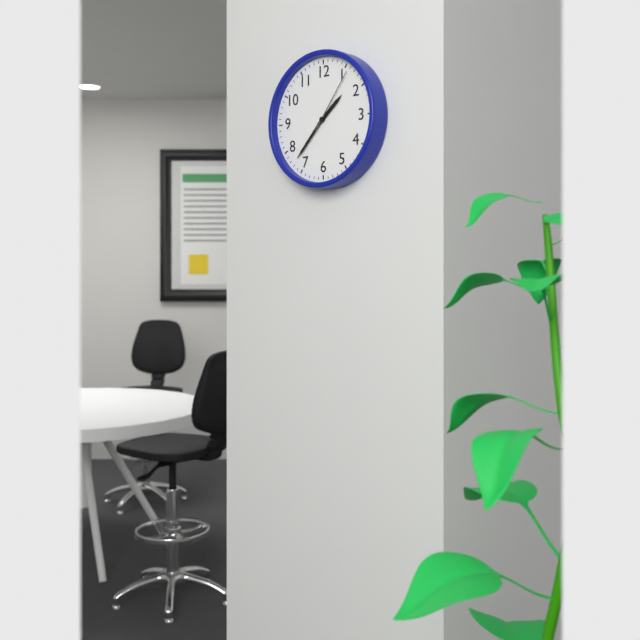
1:37:06
